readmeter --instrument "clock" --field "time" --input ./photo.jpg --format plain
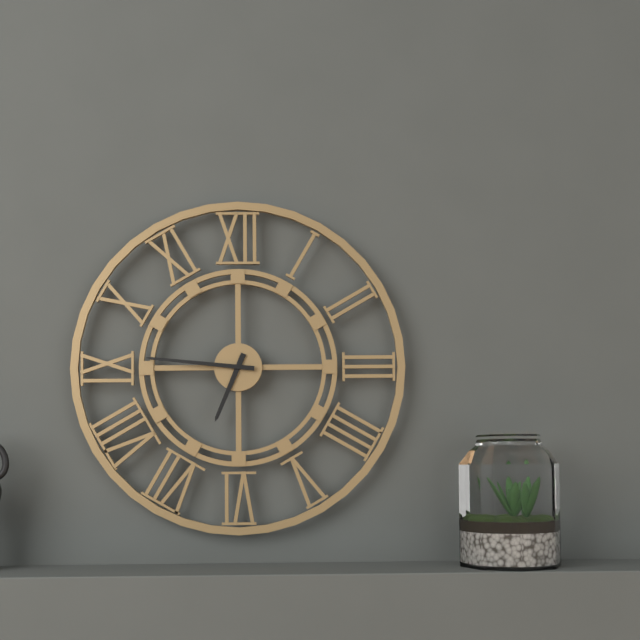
6:46
